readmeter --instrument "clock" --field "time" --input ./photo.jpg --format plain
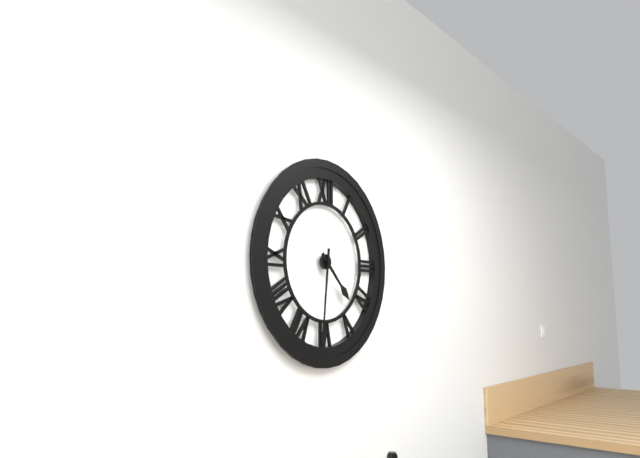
4:31
